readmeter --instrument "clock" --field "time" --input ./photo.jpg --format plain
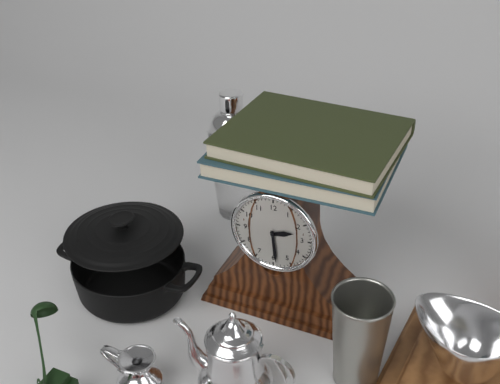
2:29
